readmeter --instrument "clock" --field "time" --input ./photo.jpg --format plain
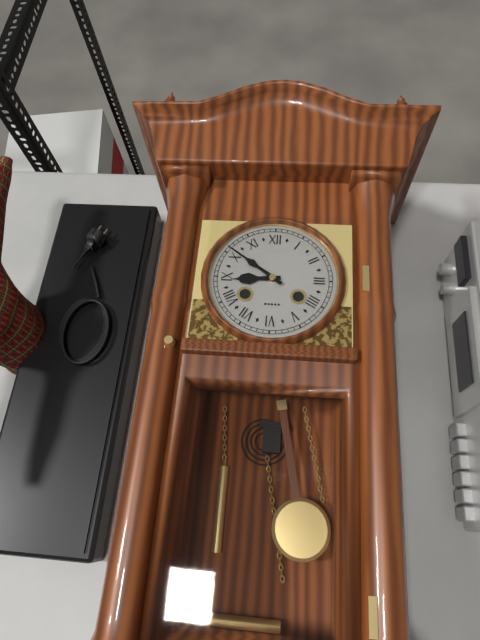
8:51
